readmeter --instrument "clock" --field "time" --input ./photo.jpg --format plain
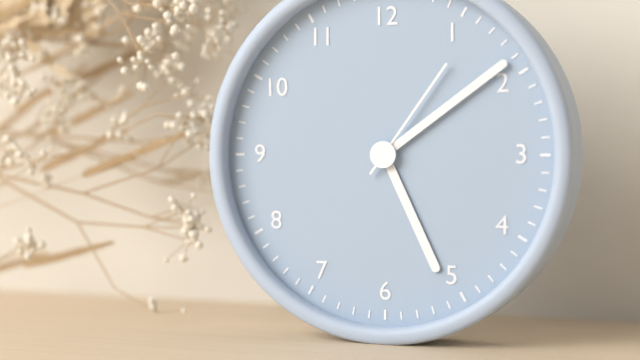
5:09:06
